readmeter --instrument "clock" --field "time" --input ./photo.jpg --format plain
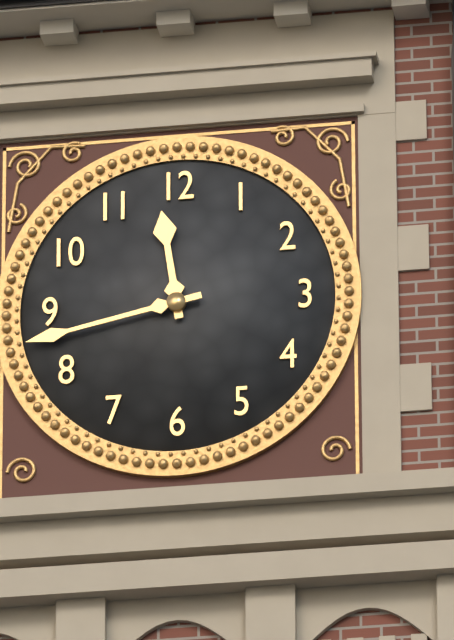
11:43
